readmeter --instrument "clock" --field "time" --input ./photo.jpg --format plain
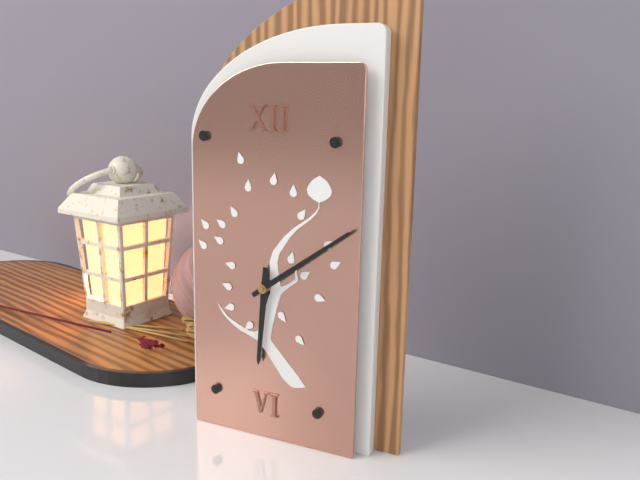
6:09
